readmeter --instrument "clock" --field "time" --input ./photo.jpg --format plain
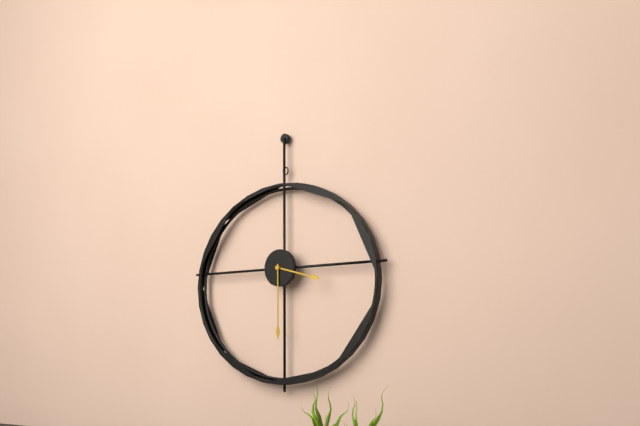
3:30
